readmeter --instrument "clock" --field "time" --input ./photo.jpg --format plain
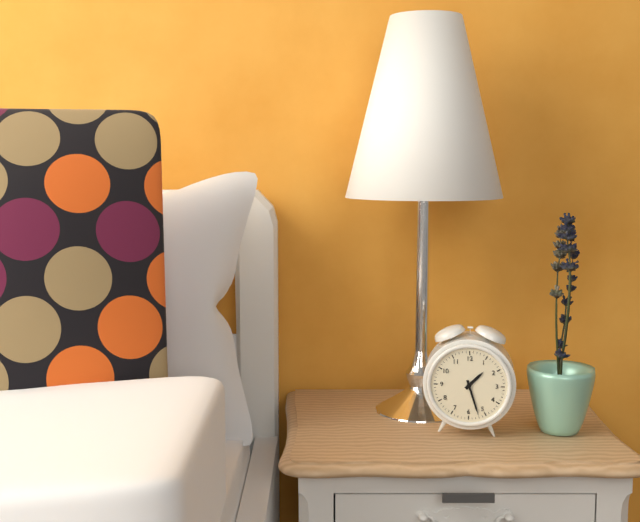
1:27
